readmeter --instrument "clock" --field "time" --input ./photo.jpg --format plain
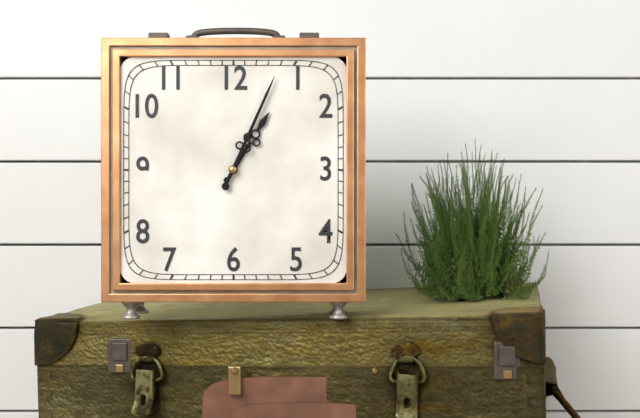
1:04
